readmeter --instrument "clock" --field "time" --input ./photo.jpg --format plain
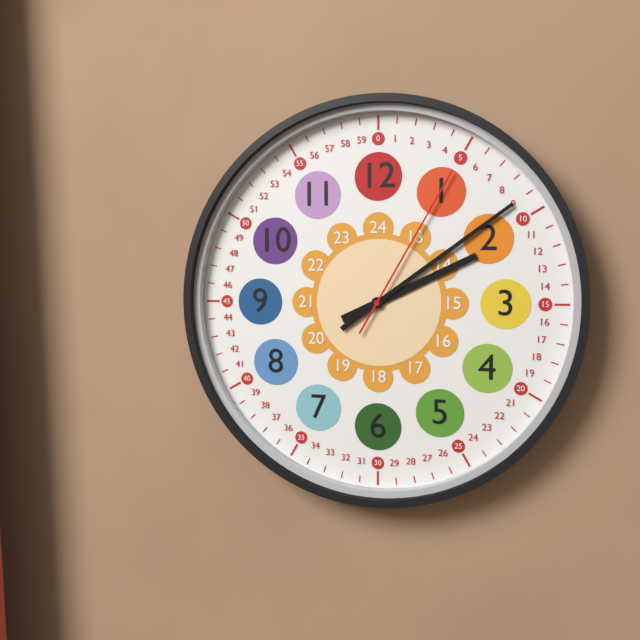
2:09:05
